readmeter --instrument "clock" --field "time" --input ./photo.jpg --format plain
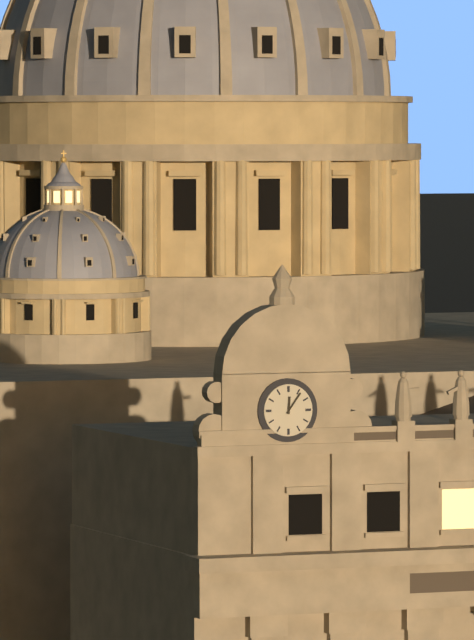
12:06
